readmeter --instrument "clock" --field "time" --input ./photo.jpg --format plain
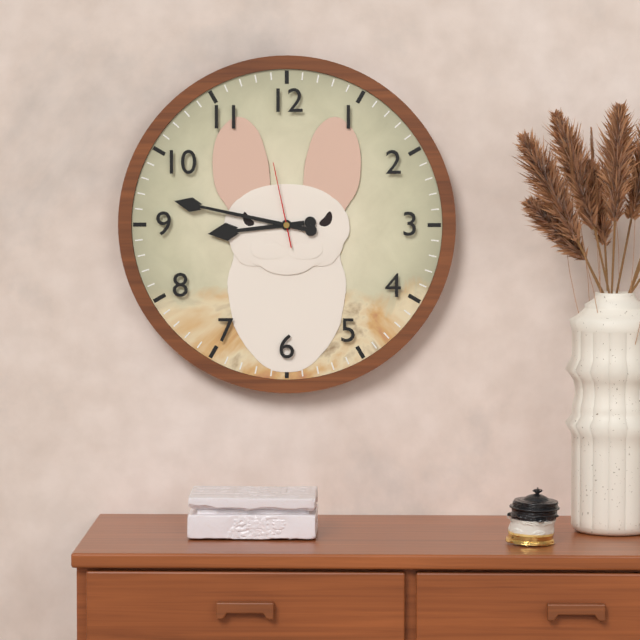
8:47:58
